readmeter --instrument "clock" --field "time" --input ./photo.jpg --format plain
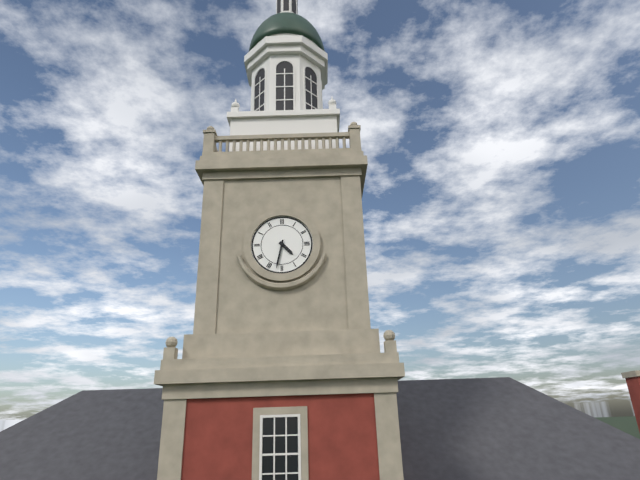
4:32
